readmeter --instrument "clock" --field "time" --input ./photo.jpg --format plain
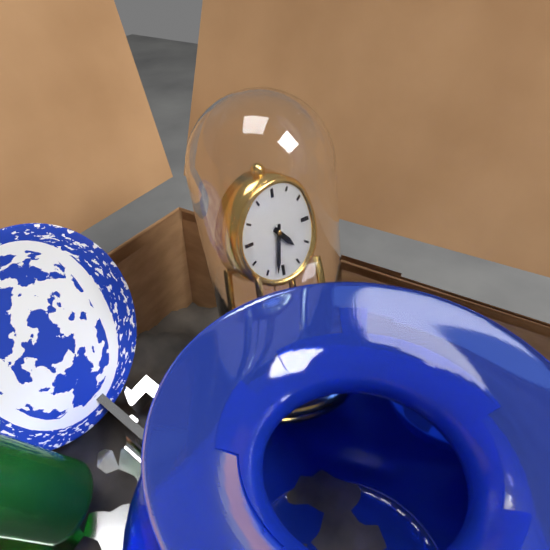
4:32
